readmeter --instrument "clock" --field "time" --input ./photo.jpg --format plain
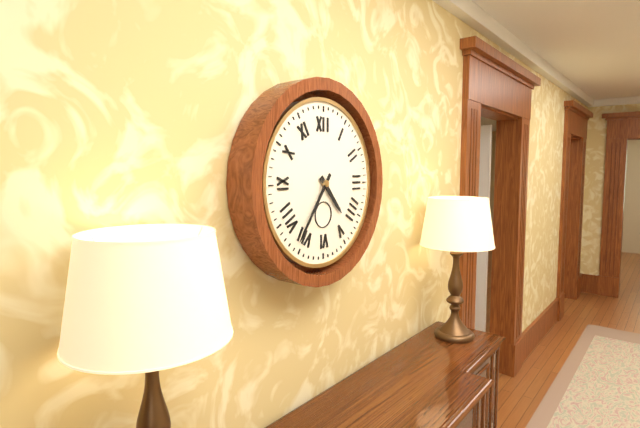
4:36
